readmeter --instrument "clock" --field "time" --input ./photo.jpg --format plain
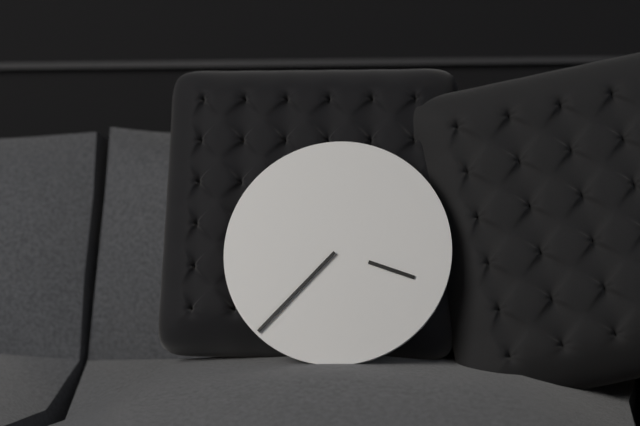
3:37
